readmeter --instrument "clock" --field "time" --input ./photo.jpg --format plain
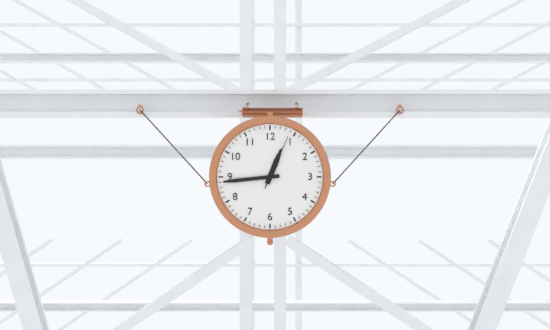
12:44:04
